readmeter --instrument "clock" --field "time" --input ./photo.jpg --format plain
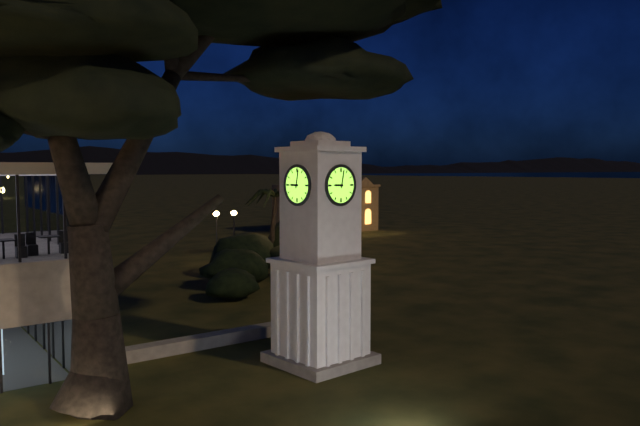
9:02
